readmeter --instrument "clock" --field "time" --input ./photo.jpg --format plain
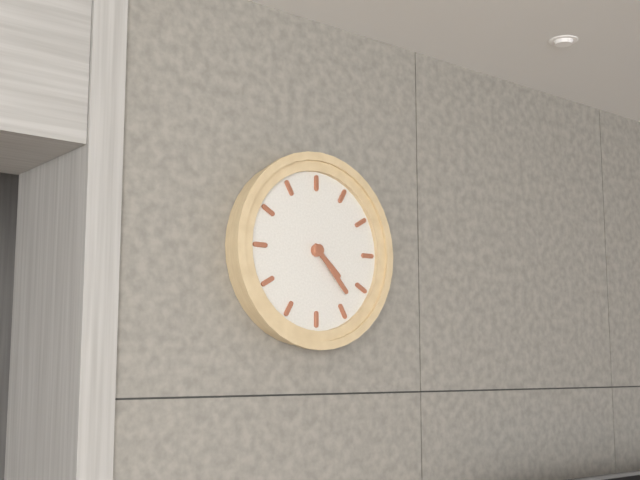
4:23
